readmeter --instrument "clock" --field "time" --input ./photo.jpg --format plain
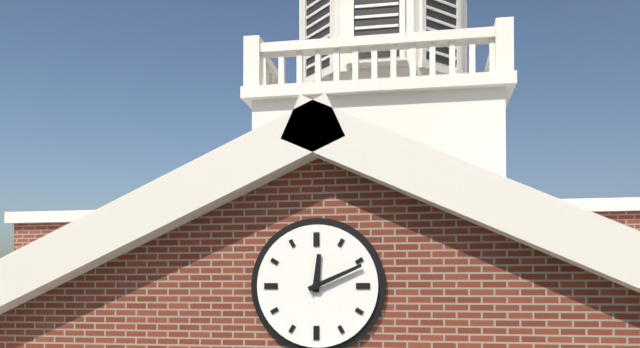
12:11
